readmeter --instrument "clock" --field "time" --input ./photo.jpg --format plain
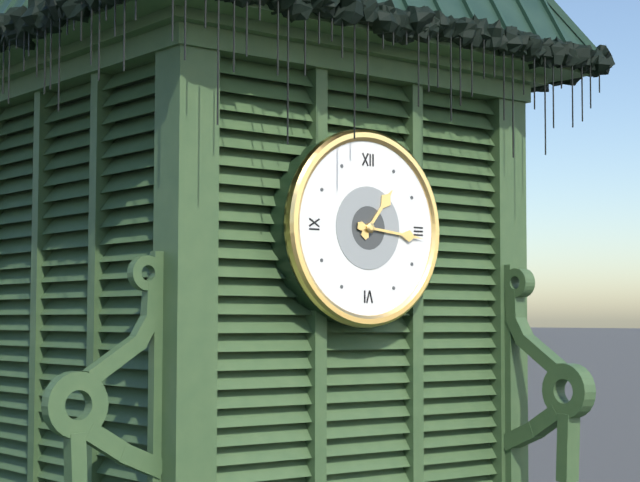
1:16
